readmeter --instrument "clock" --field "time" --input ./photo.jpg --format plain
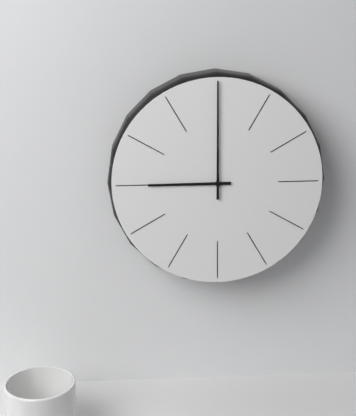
9:00
